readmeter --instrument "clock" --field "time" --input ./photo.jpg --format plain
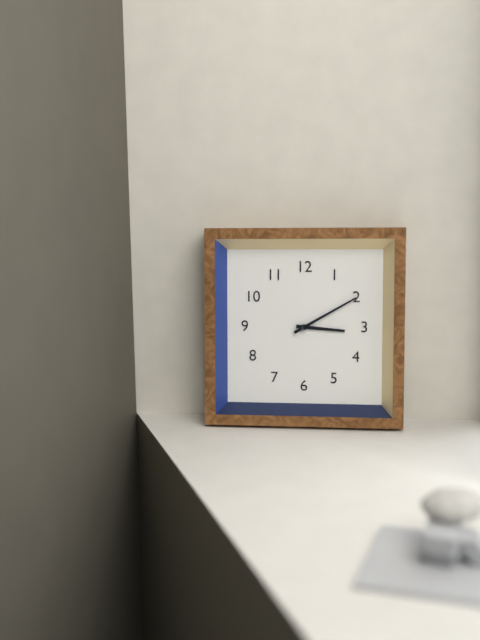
3:10
